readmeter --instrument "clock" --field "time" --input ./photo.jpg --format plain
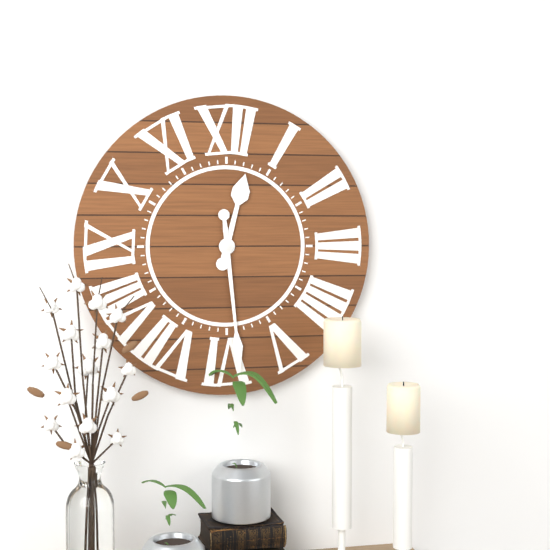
12:29
